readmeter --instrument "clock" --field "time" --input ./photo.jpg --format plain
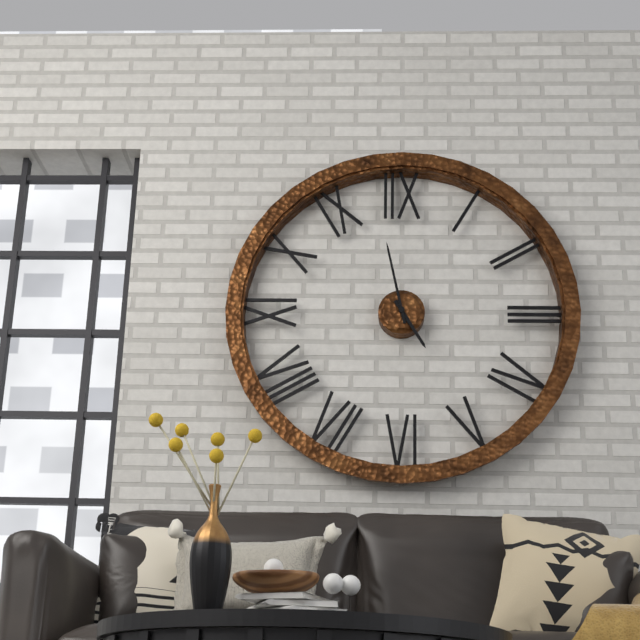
4:58
